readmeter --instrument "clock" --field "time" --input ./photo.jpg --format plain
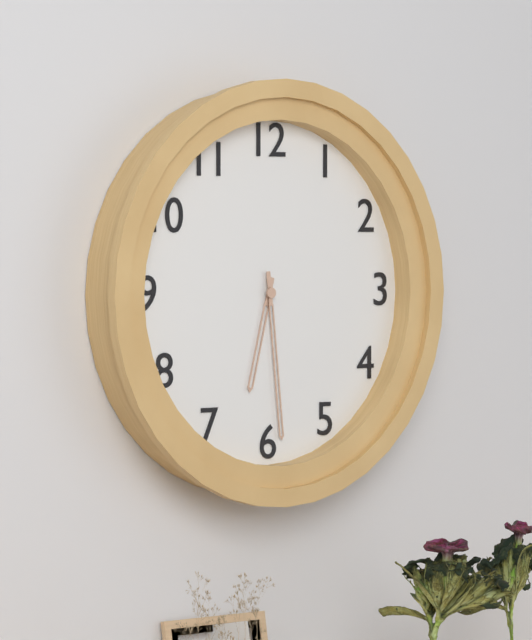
6:29
